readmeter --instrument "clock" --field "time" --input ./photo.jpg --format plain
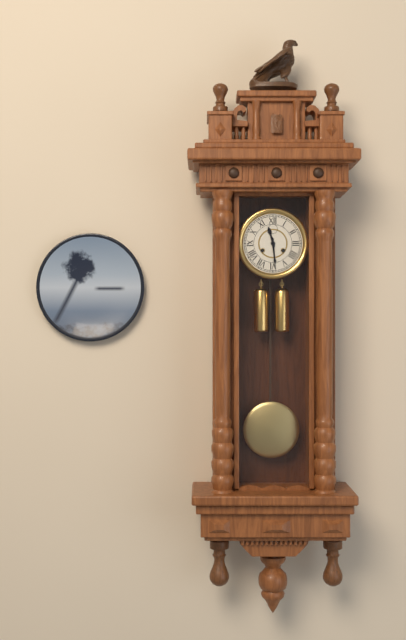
11:29
